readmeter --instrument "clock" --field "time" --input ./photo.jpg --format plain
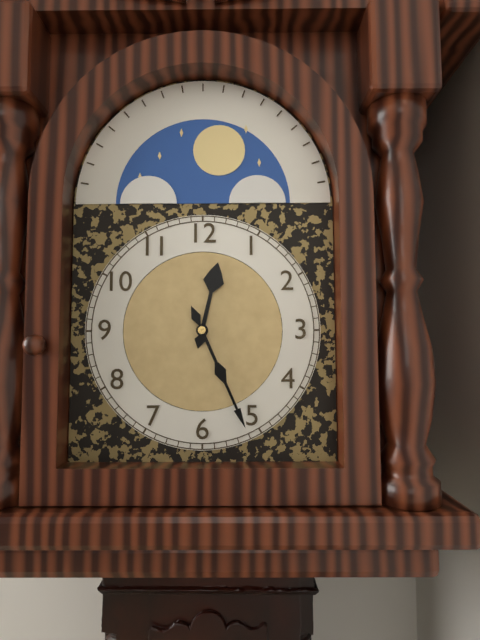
12:26
